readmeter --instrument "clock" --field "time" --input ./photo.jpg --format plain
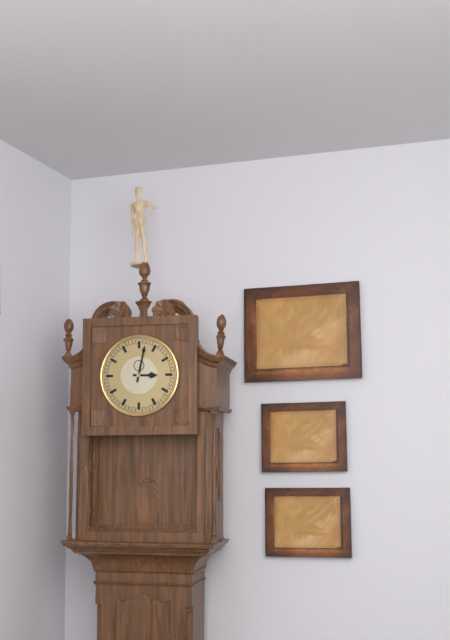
3:02
